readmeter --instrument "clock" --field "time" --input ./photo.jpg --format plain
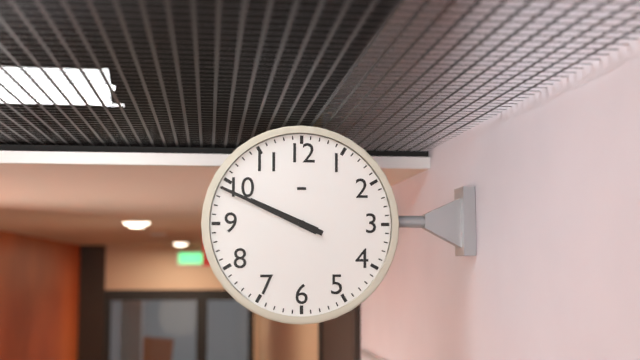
9:49
